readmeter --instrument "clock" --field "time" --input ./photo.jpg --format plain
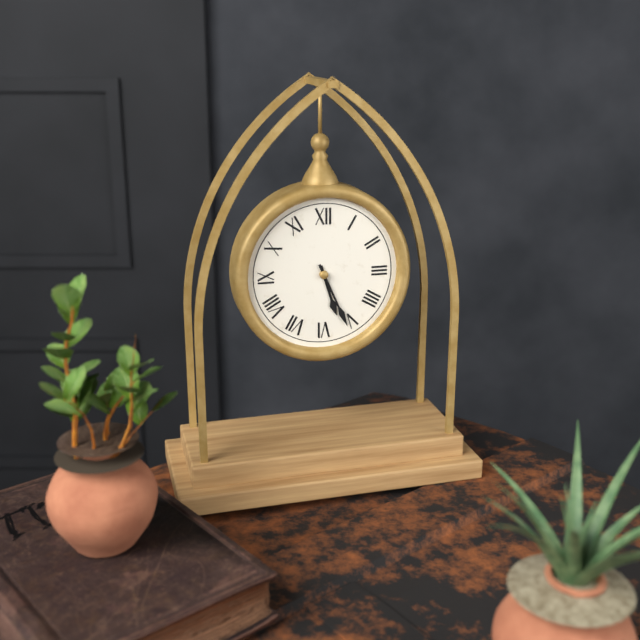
5:26
